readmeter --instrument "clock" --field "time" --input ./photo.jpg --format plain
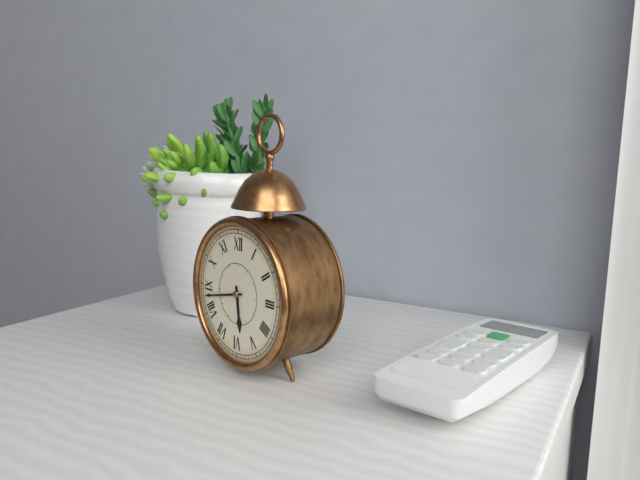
5:43
